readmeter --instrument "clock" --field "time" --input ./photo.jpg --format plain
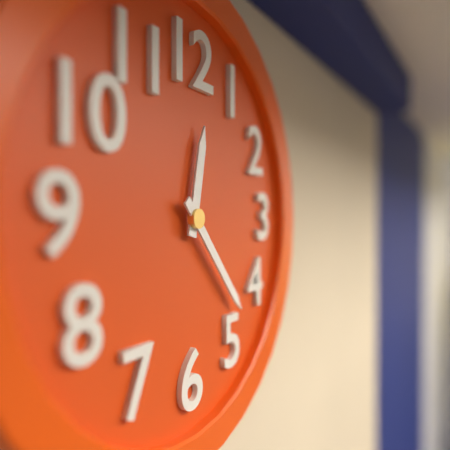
12:23
